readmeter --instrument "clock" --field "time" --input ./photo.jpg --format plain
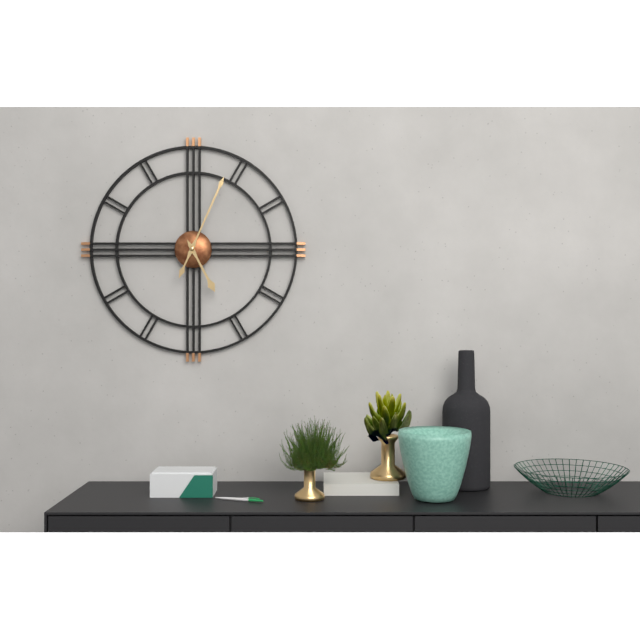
5:04
